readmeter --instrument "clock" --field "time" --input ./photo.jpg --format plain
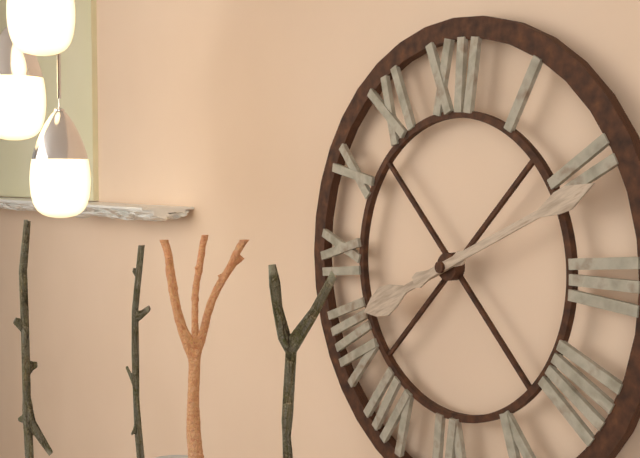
8:11
